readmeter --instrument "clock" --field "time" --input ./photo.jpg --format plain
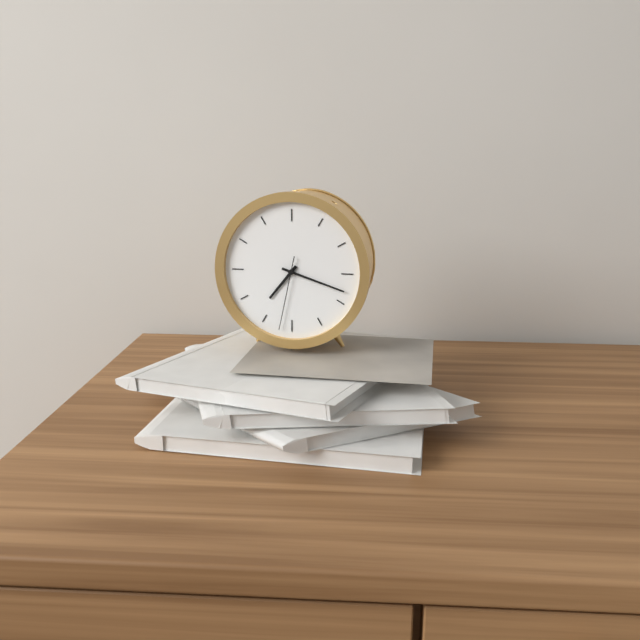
7:18:32
